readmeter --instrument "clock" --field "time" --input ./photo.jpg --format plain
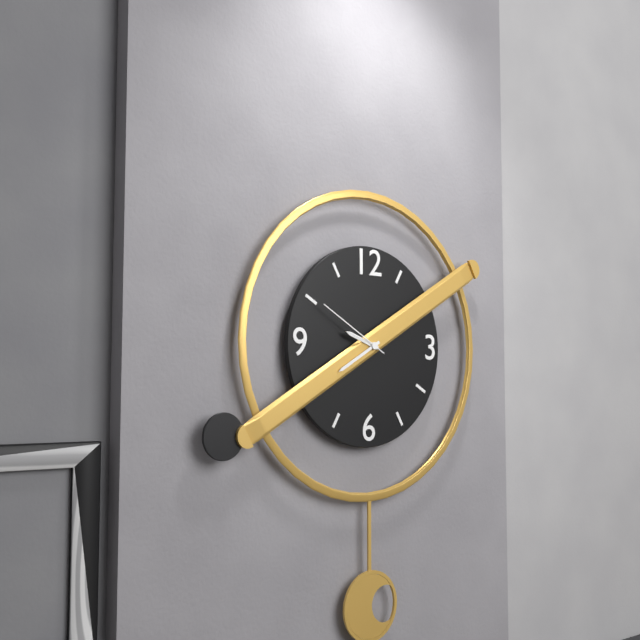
9:40:50
